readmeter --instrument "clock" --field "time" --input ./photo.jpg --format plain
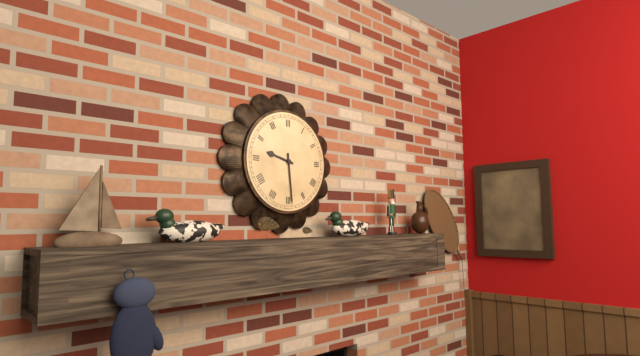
9:29
